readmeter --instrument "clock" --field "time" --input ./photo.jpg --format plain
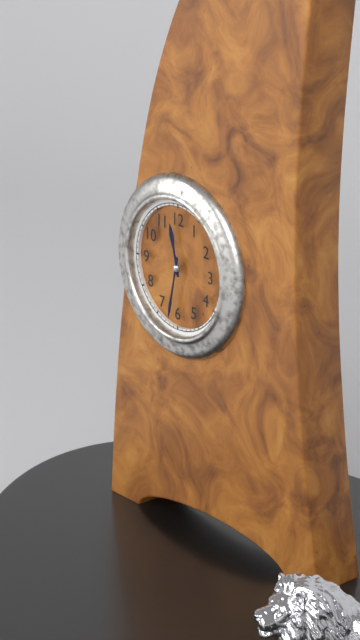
11:32
